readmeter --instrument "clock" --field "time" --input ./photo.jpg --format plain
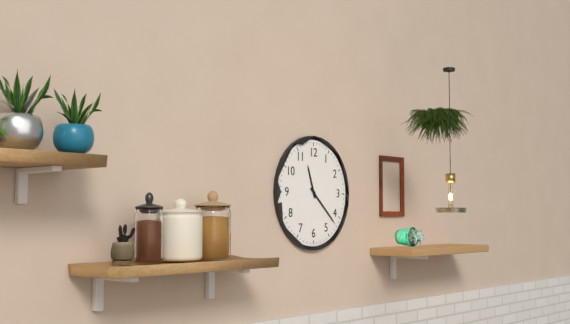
11:22
